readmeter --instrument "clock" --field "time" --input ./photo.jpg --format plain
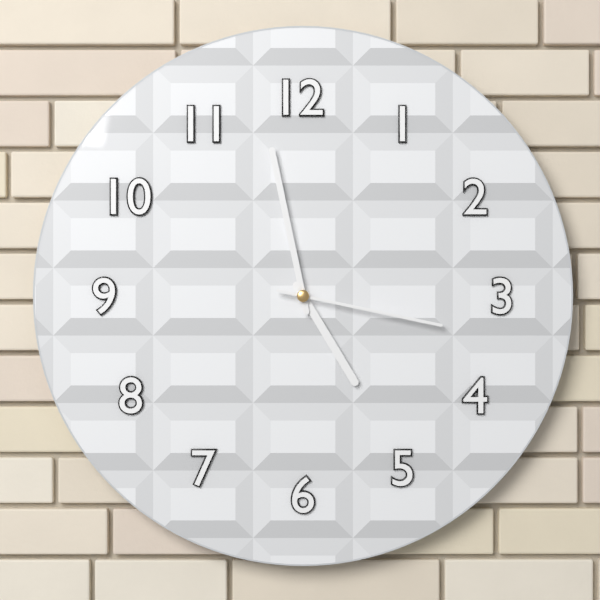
4:58:17
